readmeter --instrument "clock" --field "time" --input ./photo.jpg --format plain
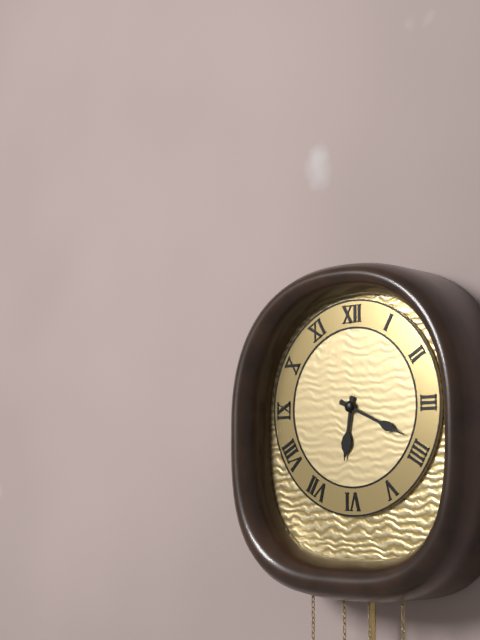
6:19
